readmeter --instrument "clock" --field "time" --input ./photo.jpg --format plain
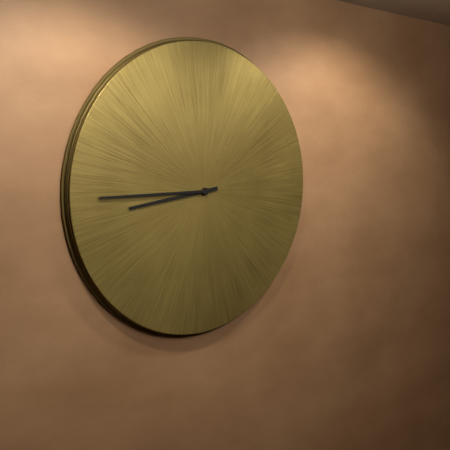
8:45
